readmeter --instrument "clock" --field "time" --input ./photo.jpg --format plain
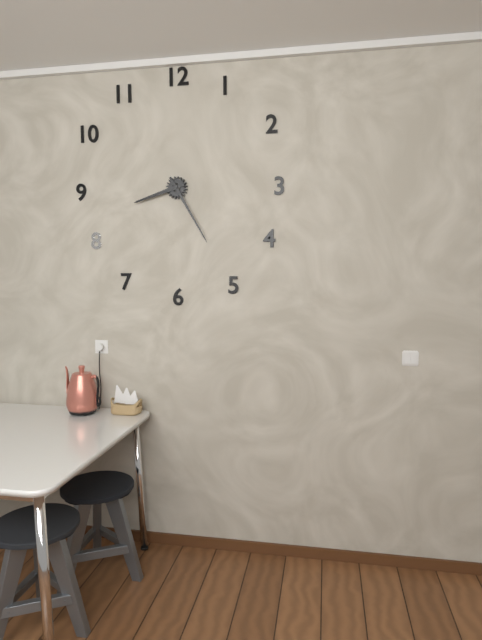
8:25
